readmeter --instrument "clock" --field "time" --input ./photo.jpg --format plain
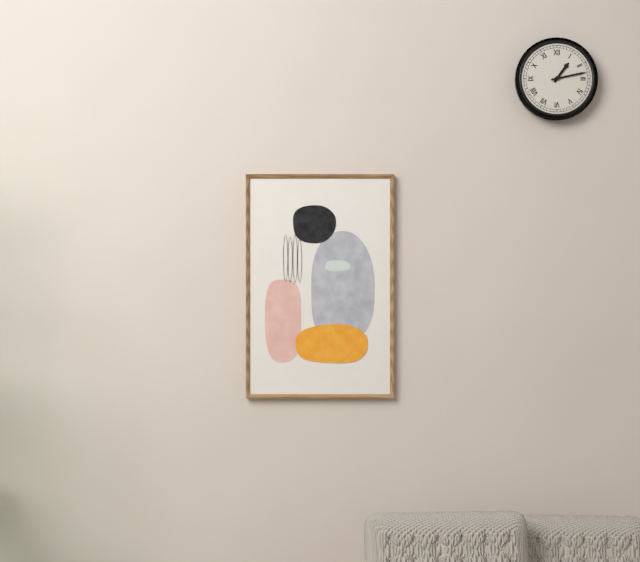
1:13
